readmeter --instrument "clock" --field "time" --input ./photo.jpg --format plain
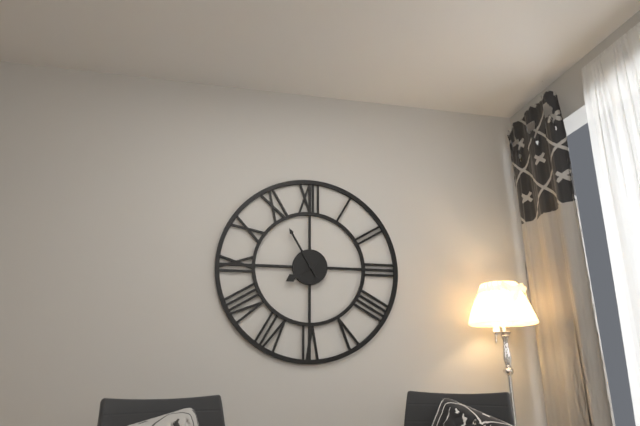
7:55
